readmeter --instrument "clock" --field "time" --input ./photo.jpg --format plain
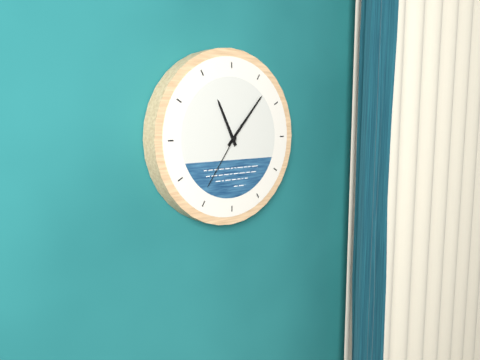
11:07:36
